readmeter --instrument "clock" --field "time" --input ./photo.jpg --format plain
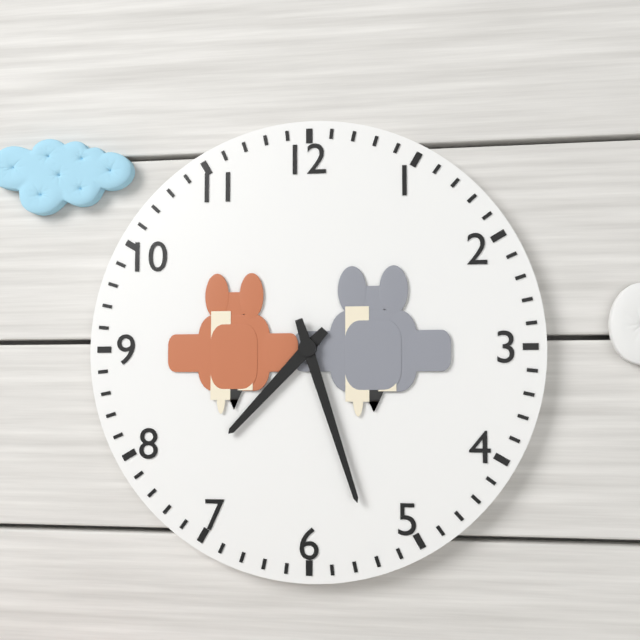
7:27
